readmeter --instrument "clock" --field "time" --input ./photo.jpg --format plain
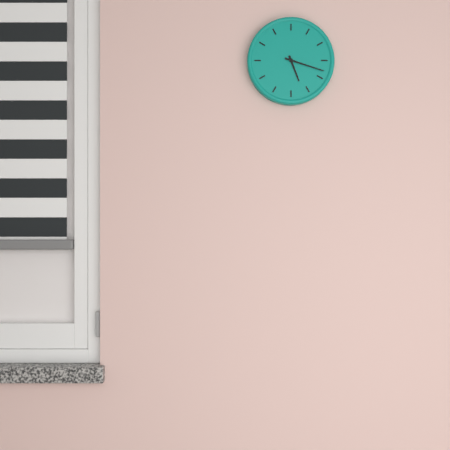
5:18
